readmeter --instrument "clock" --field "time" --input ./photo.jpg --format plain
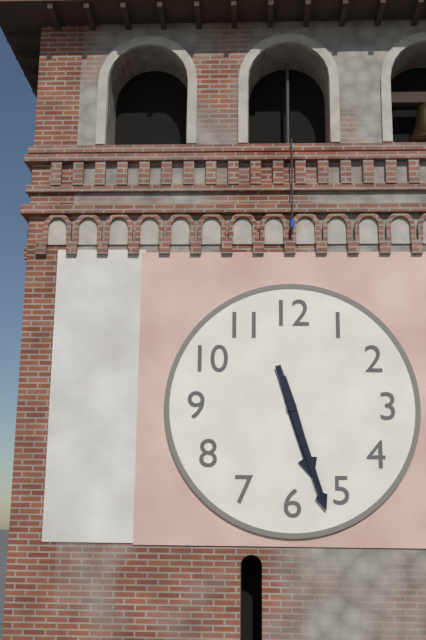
5:27
